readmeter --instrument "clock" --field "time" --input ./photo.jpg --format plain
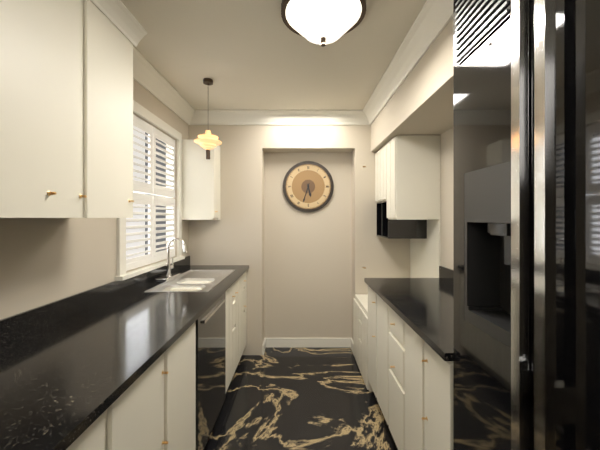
5:33
